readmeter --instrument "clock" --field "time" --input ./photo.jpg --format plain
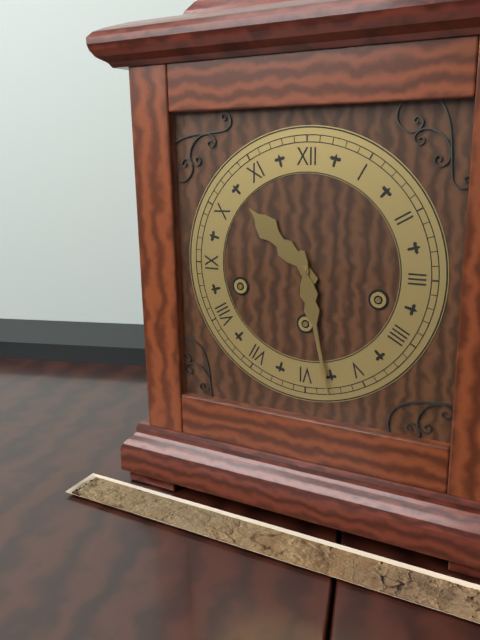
10:28
